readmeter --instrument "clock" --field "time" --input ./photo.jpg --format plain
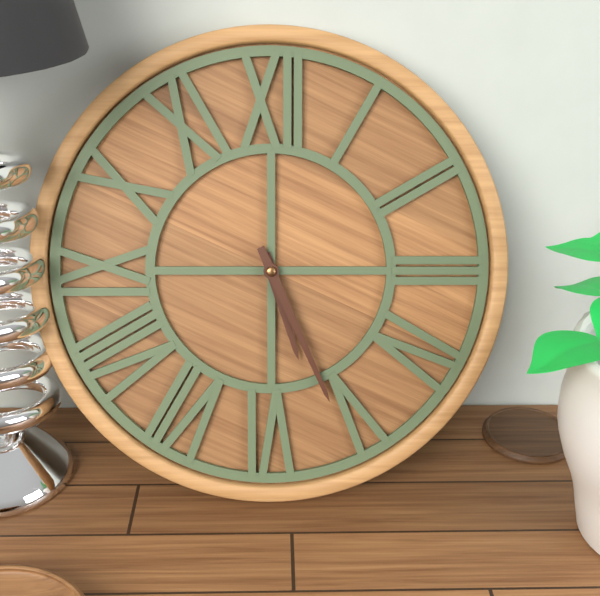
5:26
